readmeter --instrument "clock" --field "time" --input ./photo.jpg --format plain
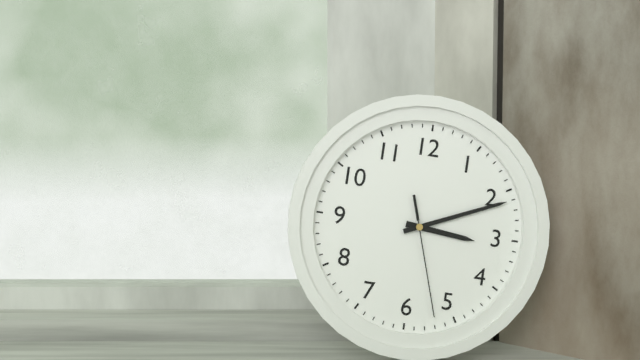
3:11:27
